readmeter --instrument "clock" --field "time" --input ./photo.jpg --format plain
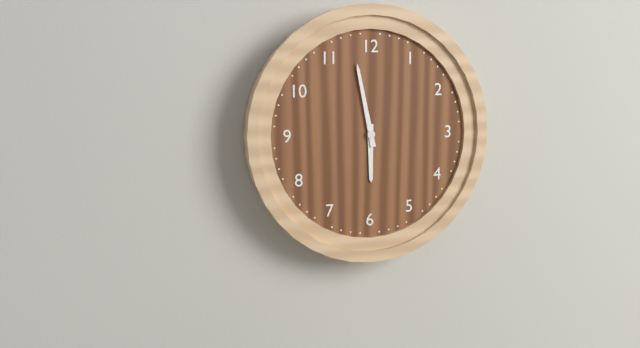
5:58
